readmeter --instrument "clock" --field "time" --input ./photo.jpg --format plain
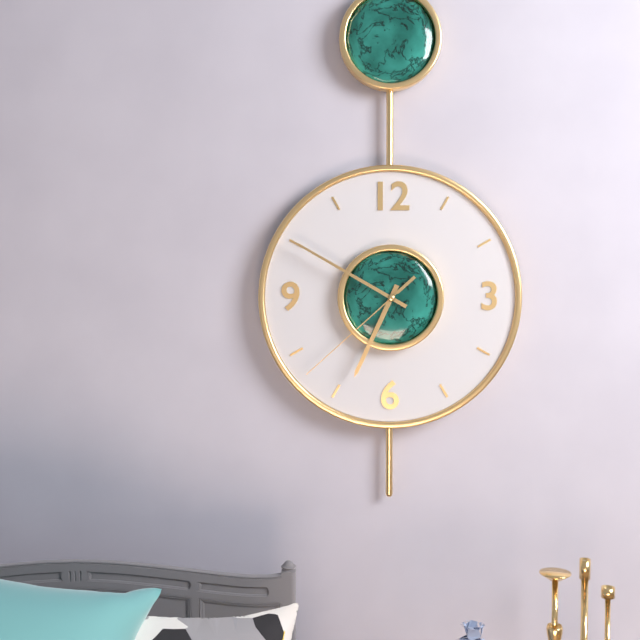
6:50:38
